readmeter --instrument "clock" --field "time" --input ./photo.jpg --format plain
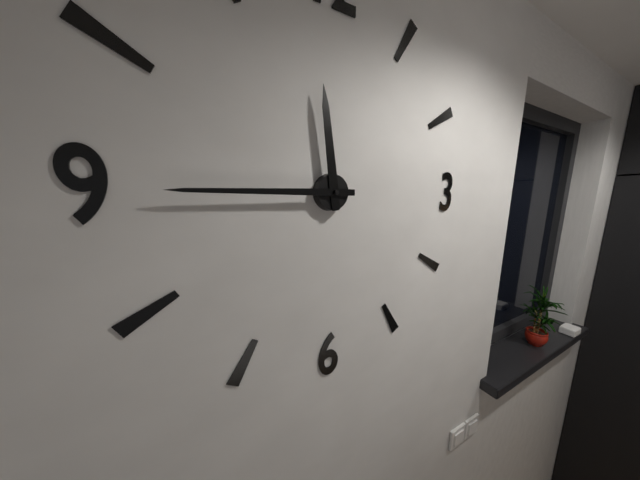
11:45
